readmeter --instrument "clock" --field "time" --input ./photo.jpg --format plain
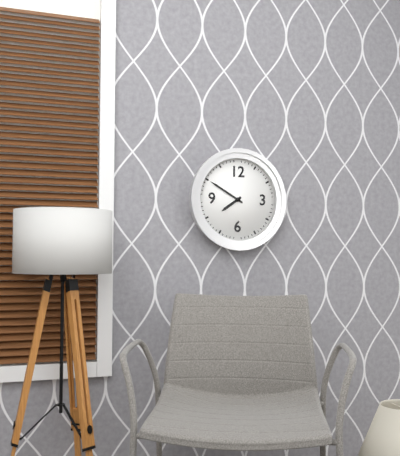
7:50
